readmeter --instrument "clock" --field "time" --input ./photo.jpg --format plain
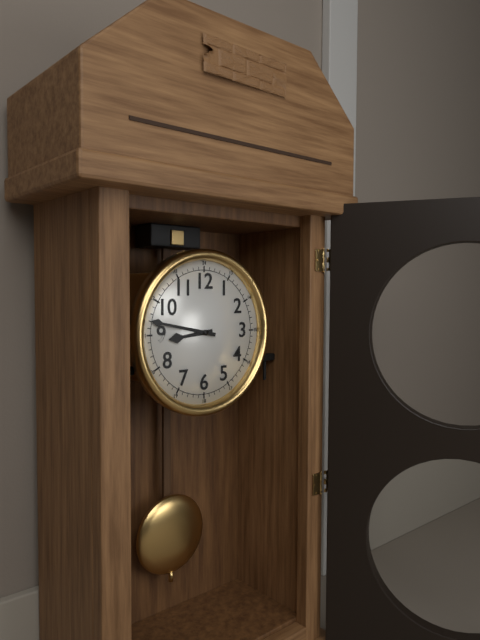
8:47
